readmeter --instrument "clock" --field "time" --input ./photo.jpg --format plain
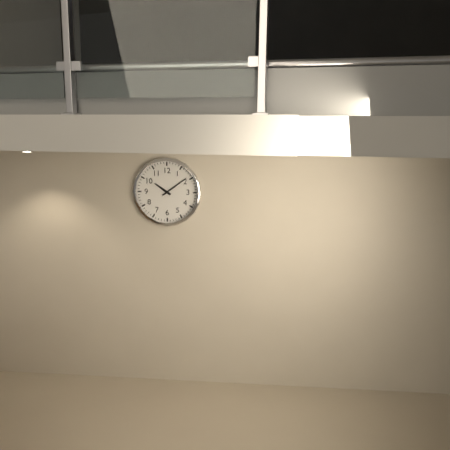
10:09
